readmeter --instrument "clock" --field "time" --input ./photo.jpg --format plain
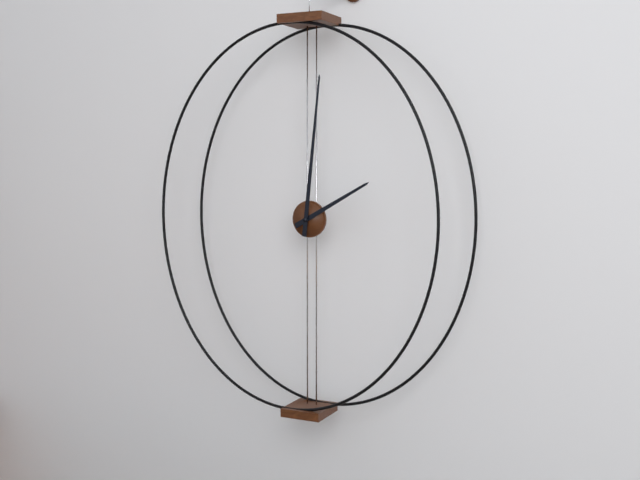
2:01
